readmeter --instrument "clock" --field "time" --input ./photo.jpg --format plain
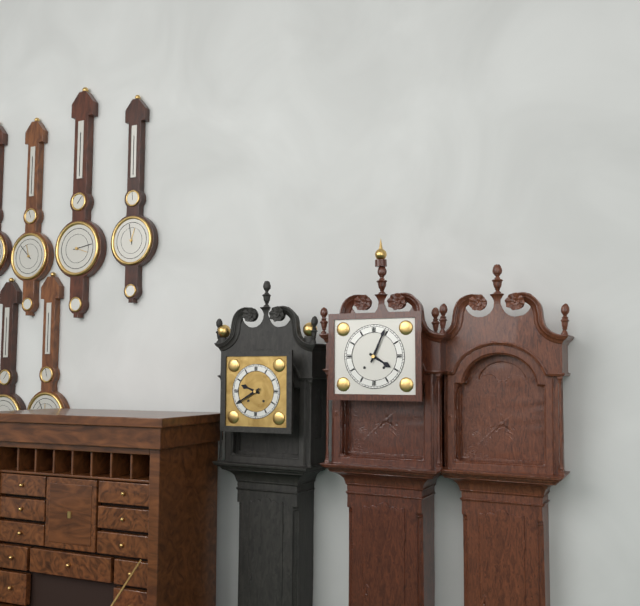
4:04
